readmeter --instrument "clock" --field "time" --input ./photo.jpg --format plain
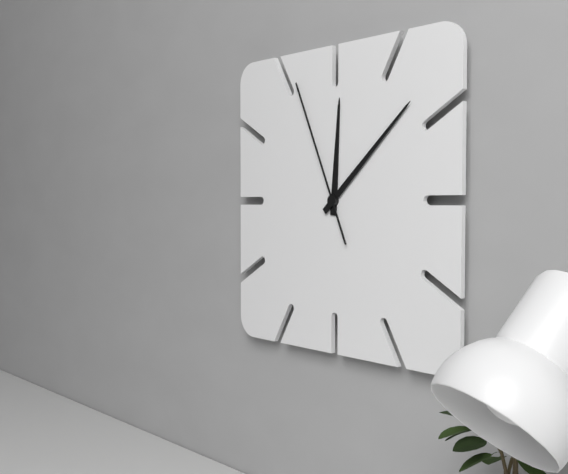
12:08:56
